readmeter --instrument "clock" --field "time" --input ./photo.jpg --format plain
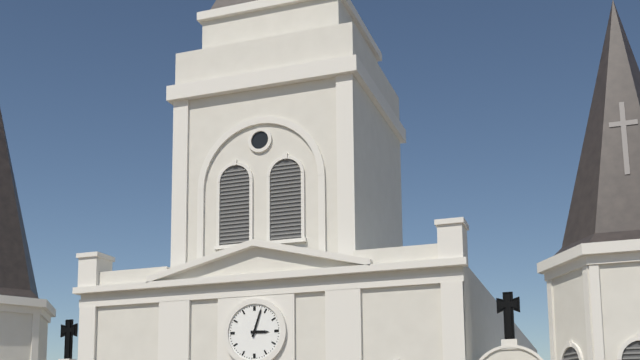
3:03
